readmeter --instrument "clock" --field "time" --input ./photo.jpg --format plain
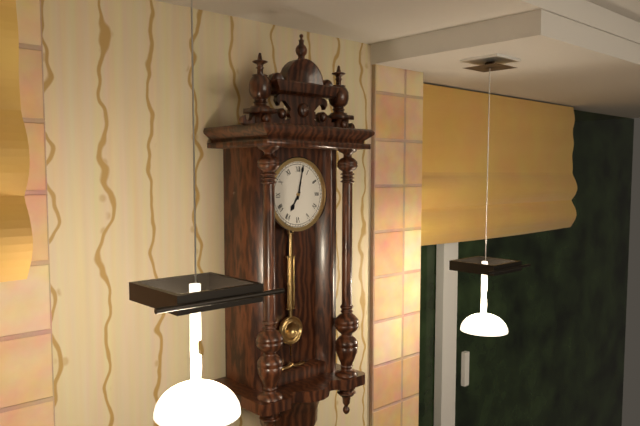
7:02
